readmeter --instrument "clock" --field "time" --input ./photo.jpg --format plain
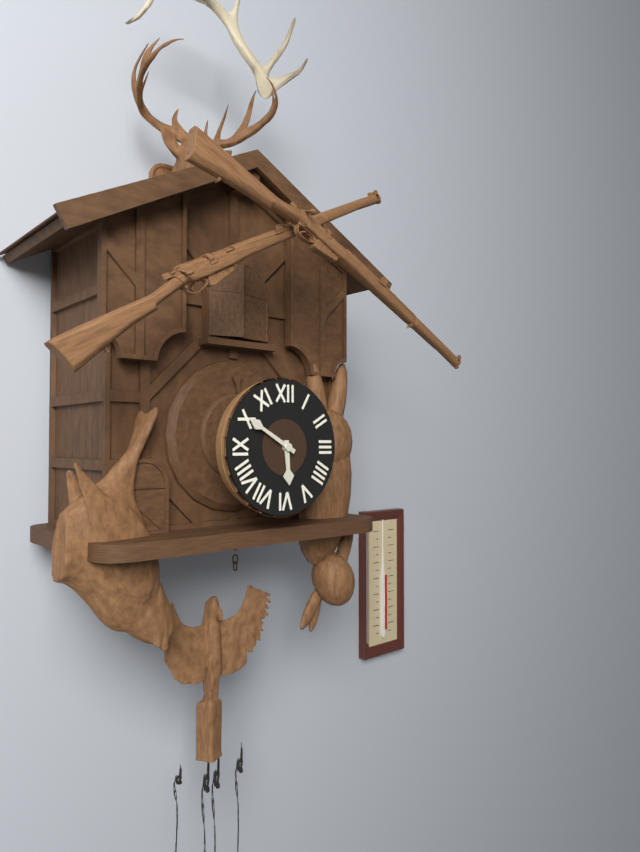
5:50
